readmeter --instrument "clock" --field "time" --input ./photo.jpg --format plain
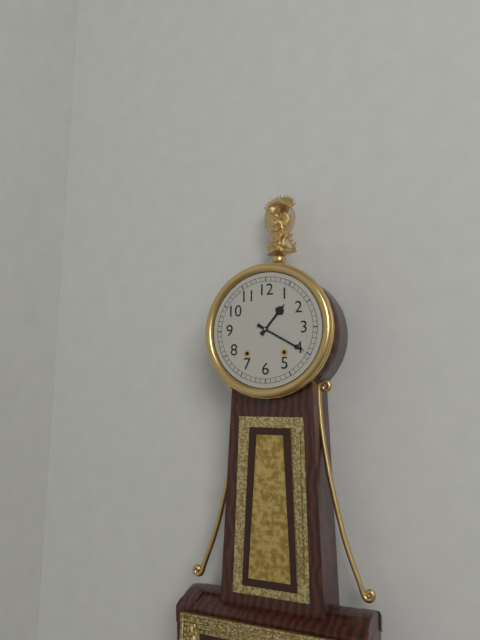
1:20
